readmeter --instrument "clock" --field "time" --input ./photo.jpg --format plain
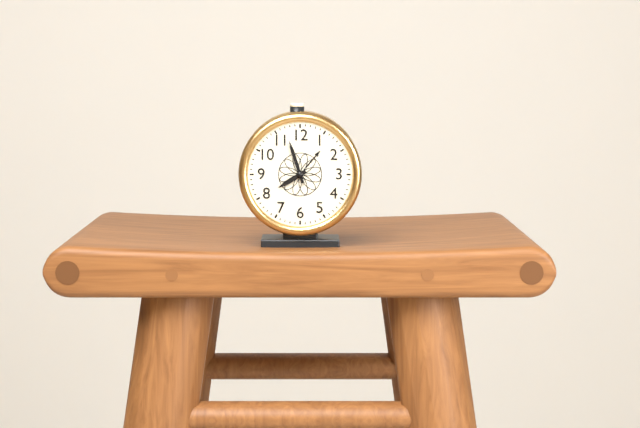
7:57
